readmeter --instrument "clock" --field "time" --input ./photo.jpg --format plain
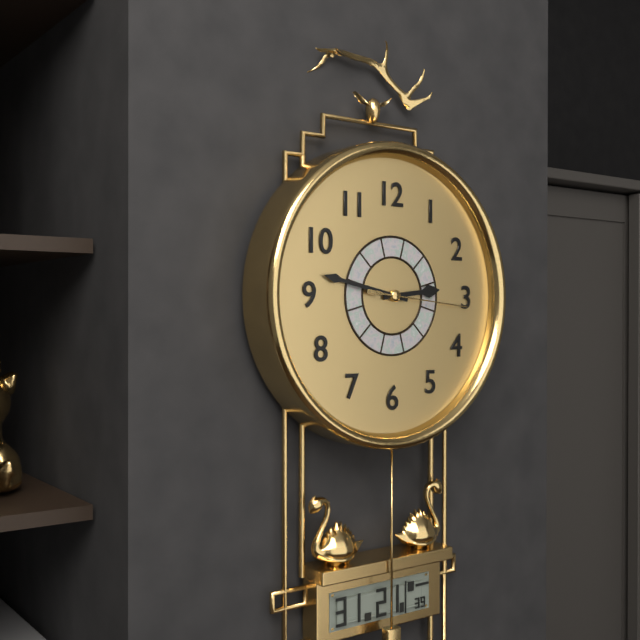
2:47:16
